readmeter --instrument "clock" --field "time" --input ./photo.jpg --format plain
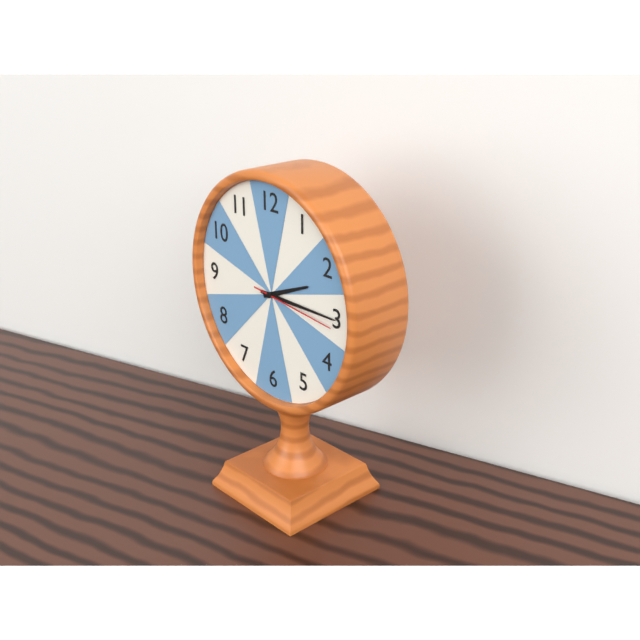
2:15:16
